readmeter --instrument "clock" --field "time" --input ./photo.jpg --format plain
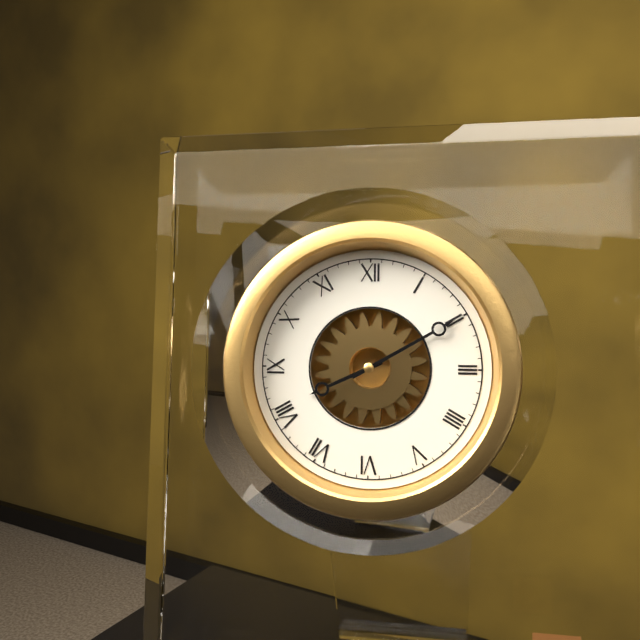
8:10
